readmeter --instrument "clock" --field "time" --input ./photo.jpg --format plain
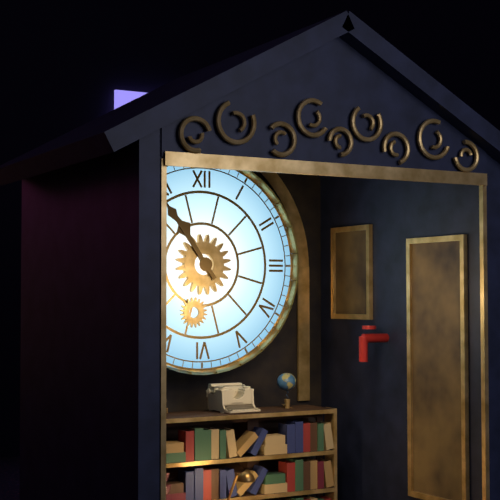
10:54
